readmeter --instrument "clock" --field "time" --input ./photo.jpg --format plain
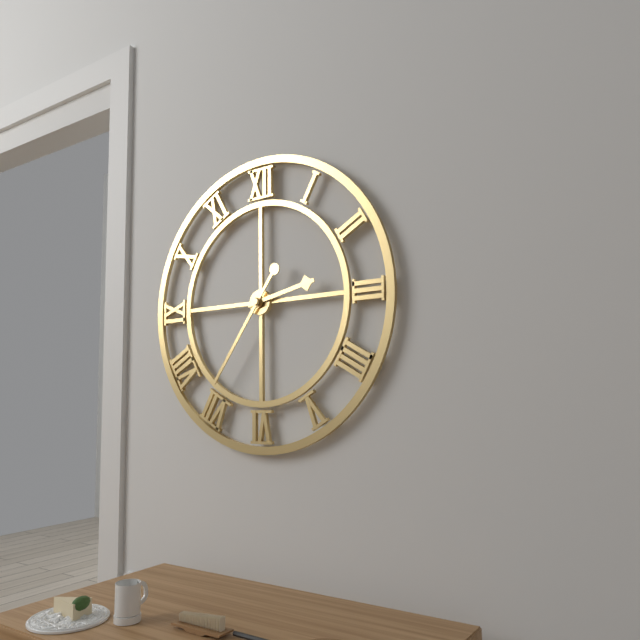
2:36
